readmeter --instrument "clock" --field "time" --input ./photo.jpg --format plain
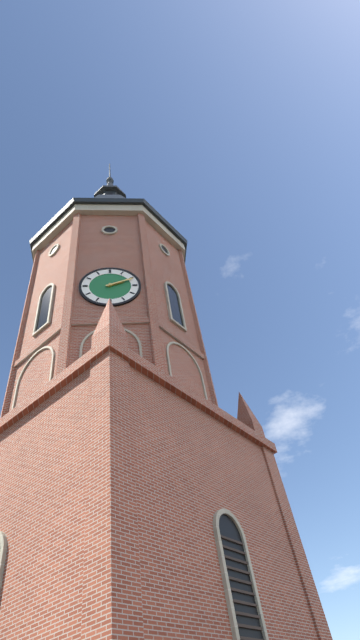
2:11
